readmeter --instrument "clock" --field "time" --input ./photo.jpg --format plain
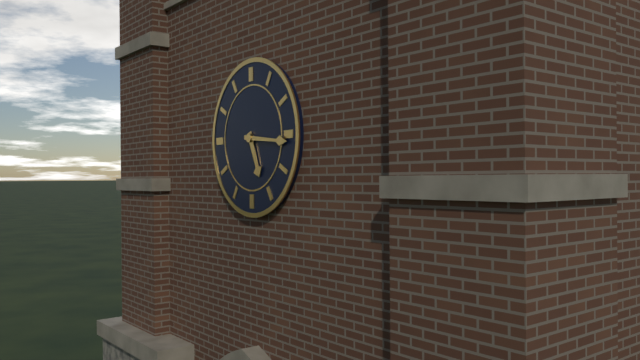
5:16
